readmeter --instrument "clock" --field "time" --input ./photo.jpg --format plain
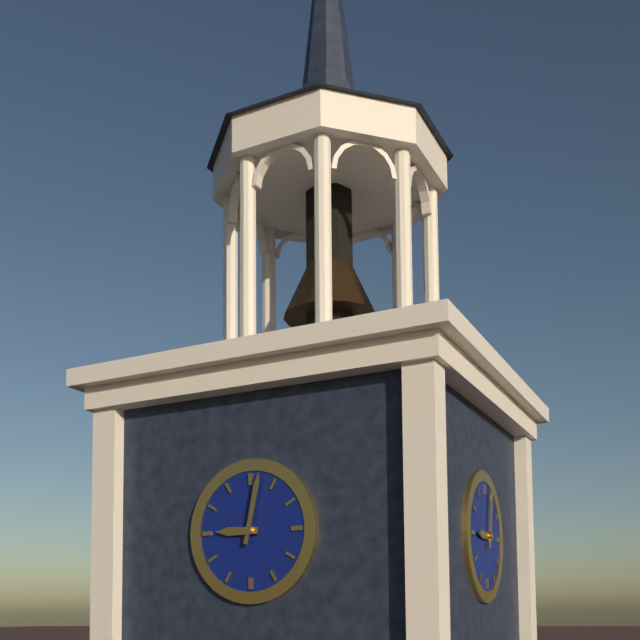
9:02
